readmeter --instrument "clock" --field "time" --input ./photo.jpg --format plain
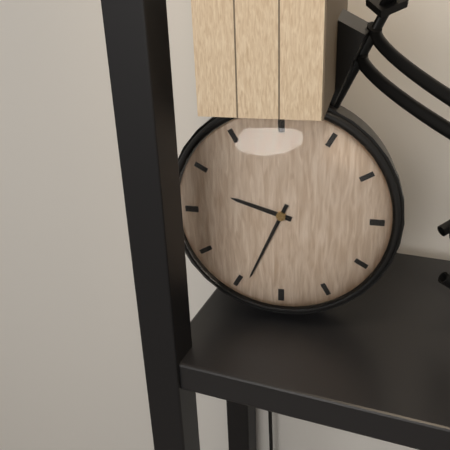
9:34
